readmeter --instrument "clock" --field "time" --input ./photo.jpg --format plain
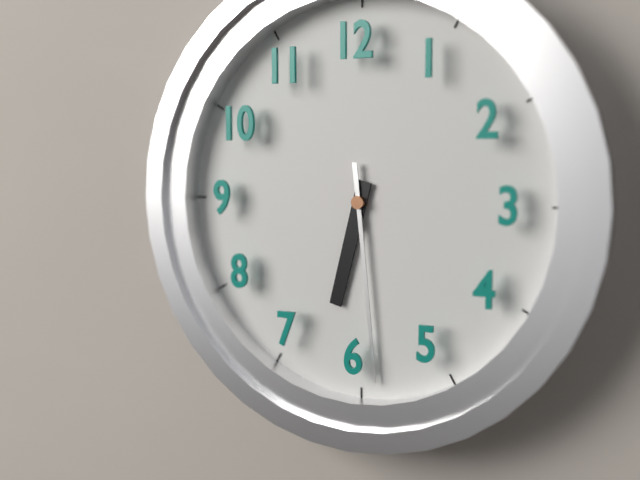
6:29
